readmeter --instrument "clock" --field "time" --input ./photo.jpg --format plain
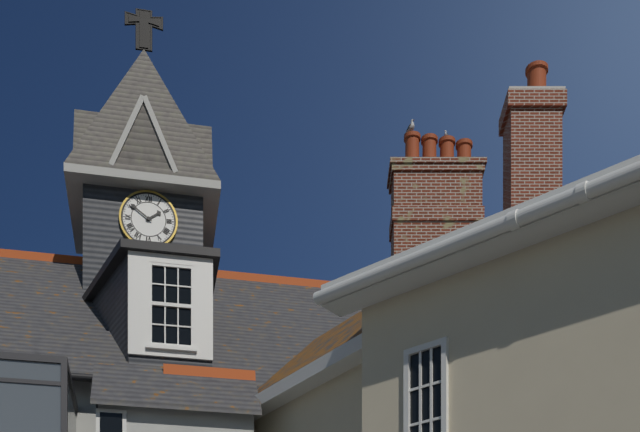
1:51
